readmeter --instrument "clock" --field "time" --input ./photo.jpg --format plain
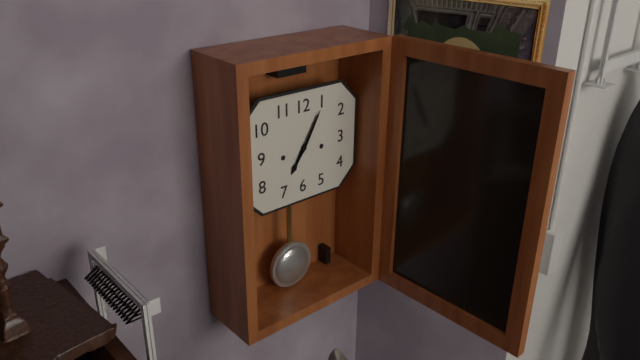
7:05
